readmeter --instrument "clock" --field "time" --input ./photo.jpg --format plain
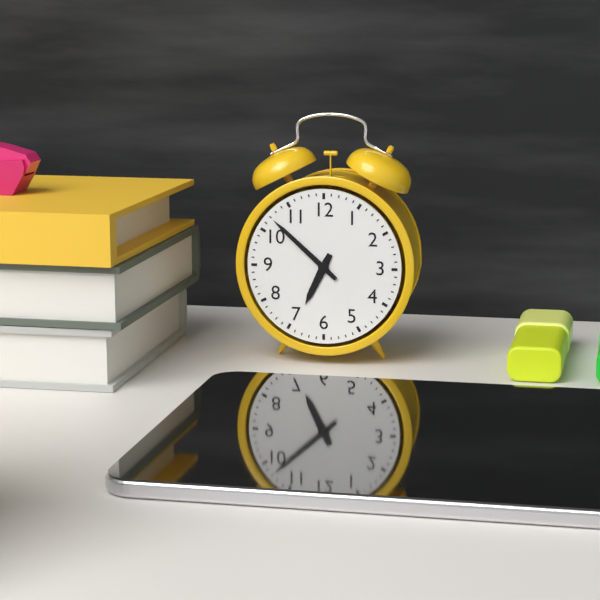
6:52
